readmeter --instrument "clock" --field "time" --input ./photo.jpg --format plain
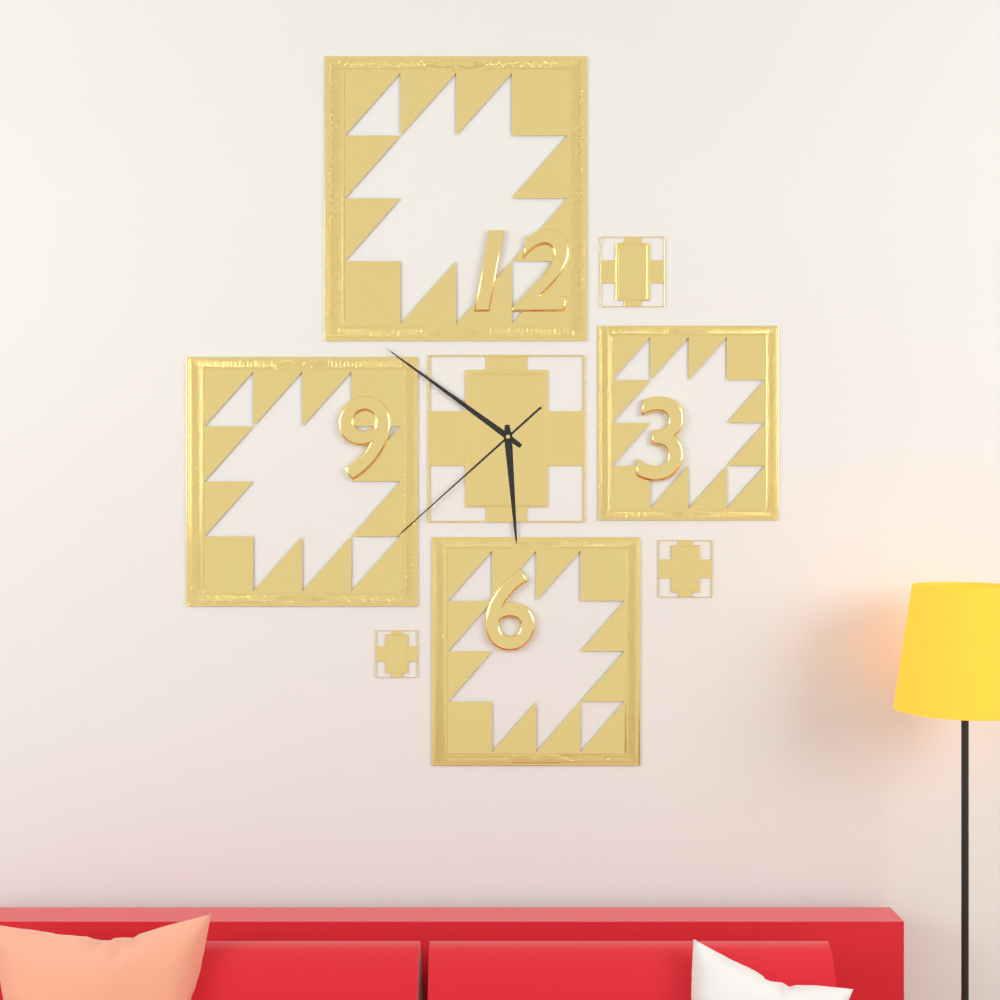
5:51:38
